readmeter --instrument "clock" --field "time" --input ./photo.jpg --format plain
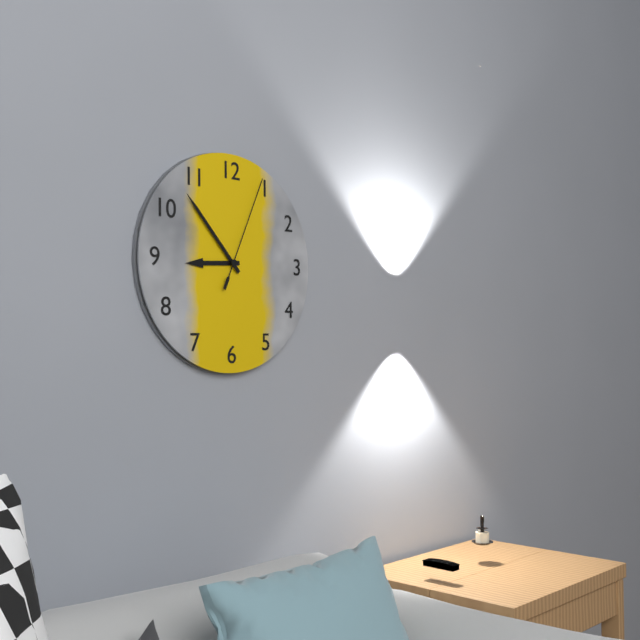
8:53:04
